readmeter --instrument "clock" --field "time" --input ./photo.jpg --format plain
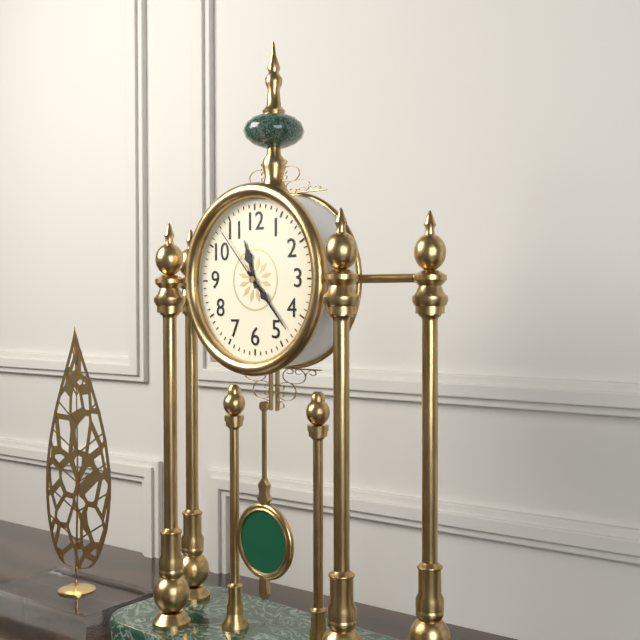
11:23:53
